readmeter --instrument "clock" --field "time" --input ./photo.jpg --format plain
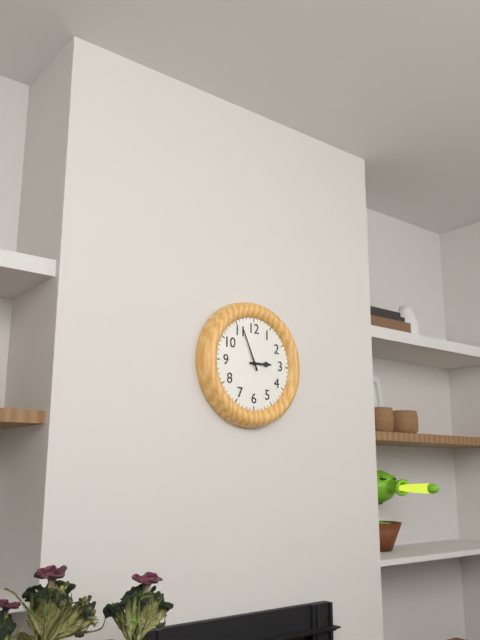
2:56
